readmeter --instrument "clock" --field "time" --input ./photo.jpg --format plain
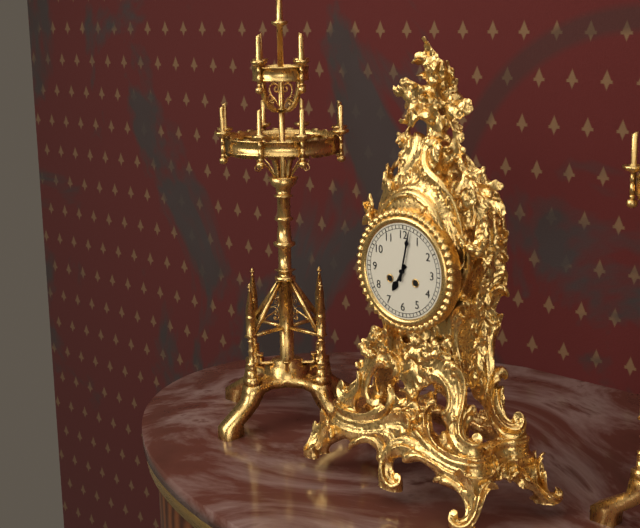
7:02
